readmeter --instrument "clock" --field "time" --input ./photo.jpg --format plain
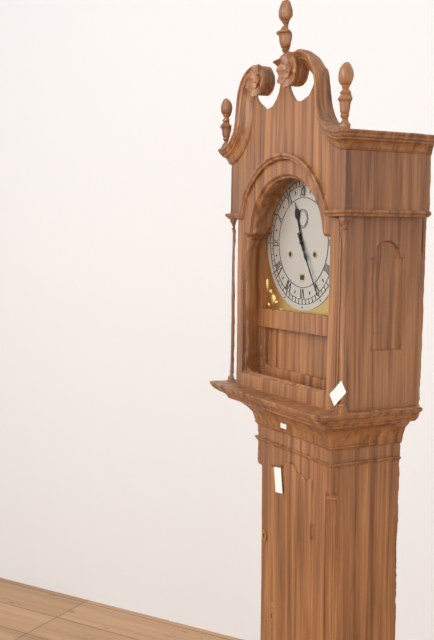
11:25
